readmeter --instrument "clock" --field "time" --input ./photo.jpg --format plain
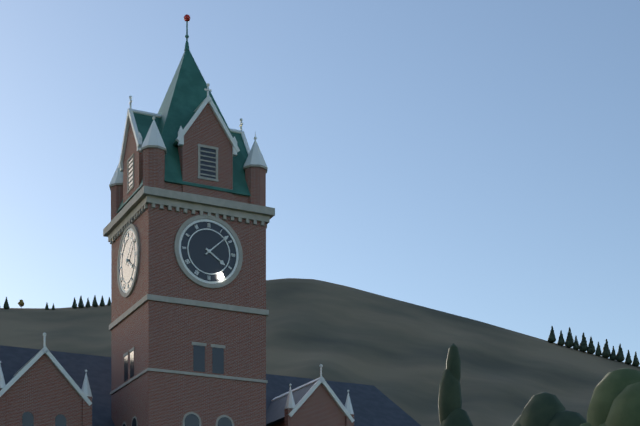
4:08
